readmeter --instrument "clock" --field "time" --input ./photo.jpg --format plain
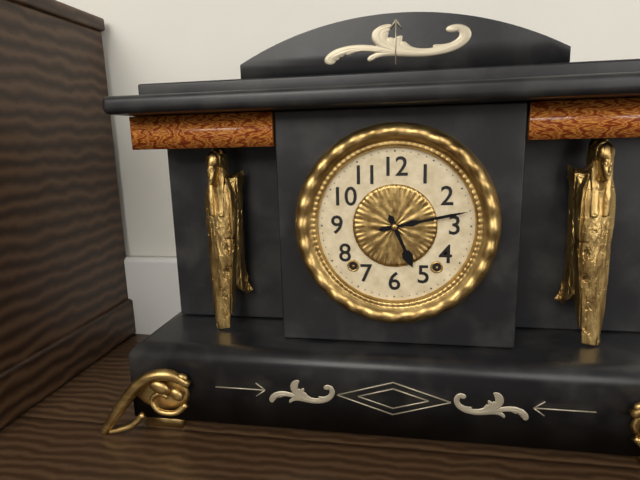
5:13
